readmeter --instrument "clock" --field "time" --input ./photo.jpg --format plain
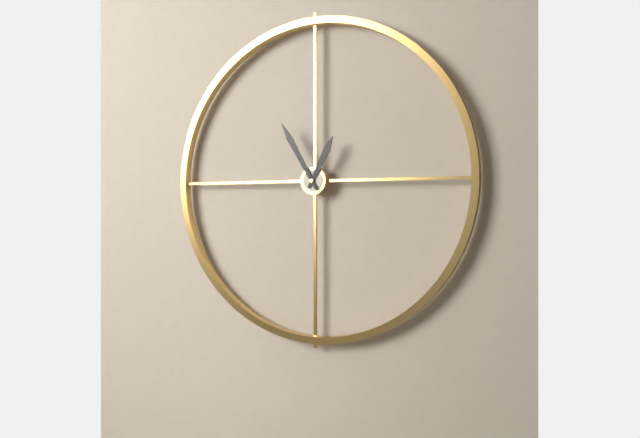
12:55
